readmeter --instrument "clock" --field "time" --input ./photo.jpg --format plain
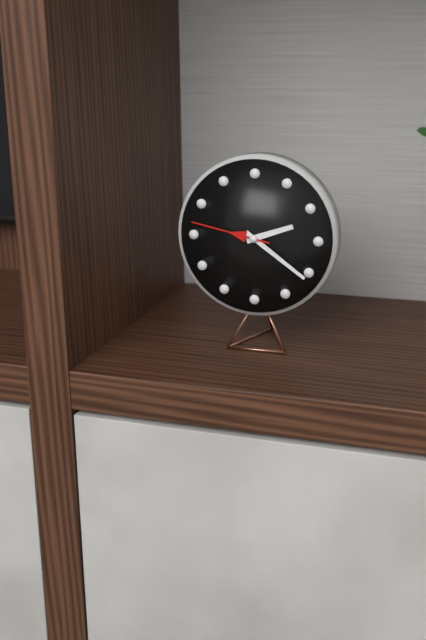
2:21:47
